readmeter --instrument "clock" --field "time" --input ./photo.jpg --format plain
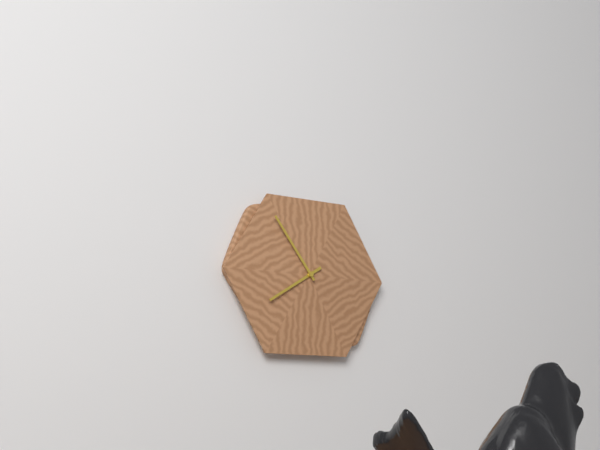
7:54
